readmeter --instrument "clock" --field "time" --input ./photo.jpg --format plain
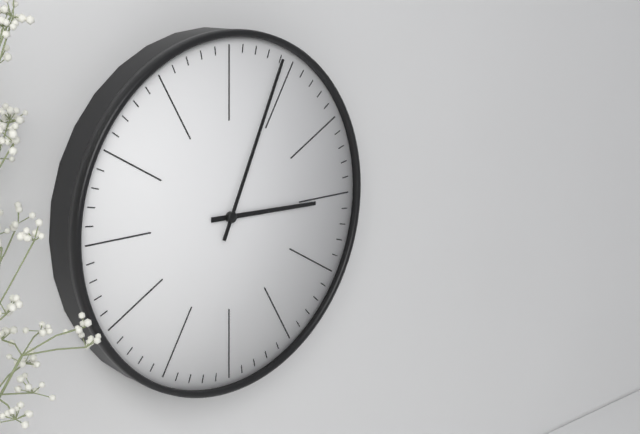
3:04
